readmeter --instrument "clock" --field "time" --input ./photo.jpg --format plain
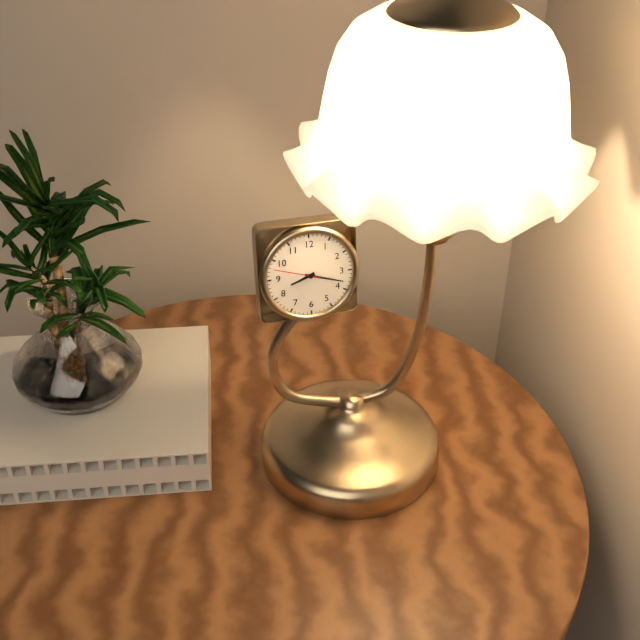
8:18
